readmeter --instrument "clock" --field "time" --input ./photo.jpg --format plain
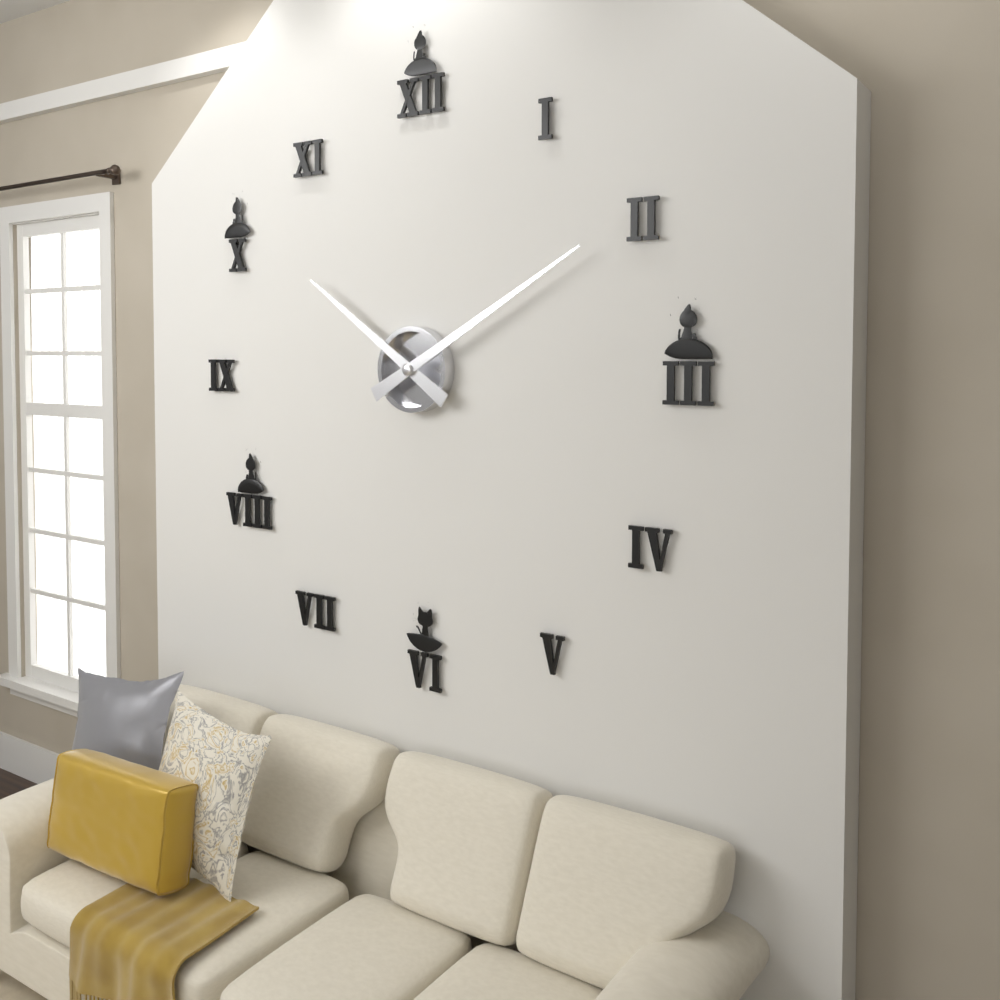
10:10
